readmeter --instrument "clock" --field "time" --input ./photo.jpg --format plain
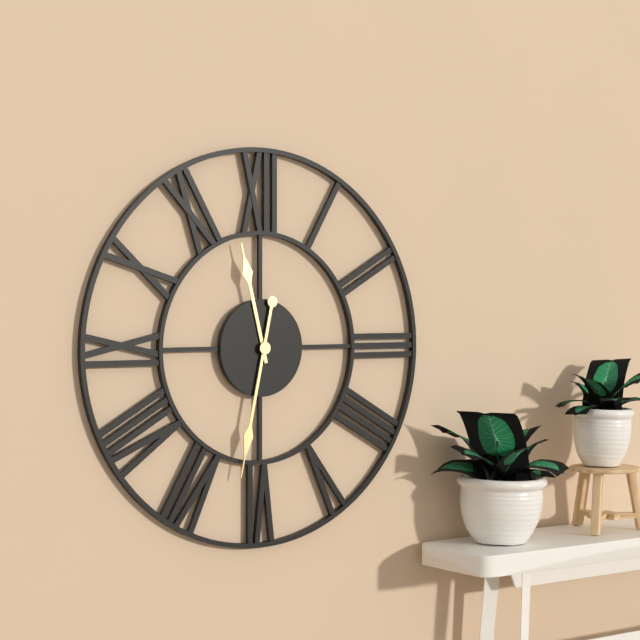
11:32
